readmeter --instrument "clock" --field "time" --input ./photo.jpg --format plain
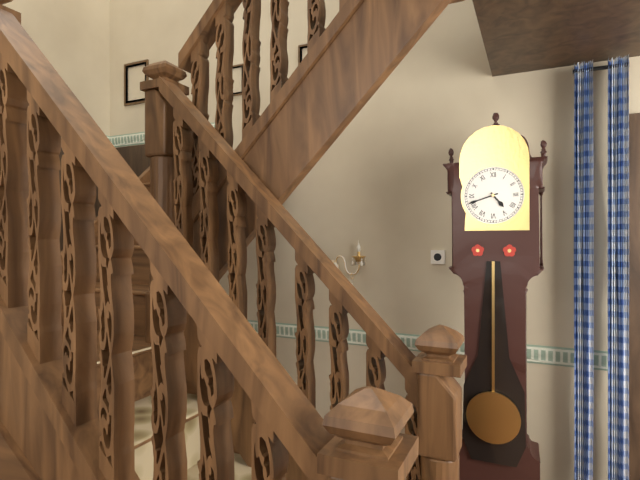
4:42
